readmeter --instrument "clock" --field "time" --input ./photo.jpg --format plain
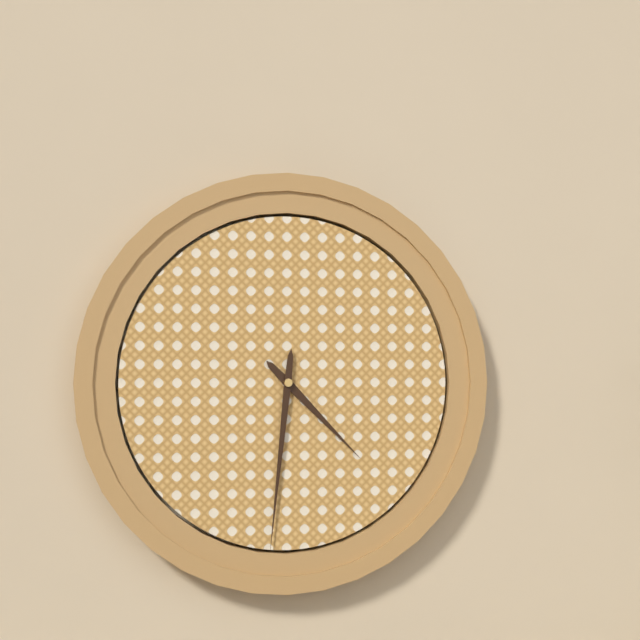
4:31
